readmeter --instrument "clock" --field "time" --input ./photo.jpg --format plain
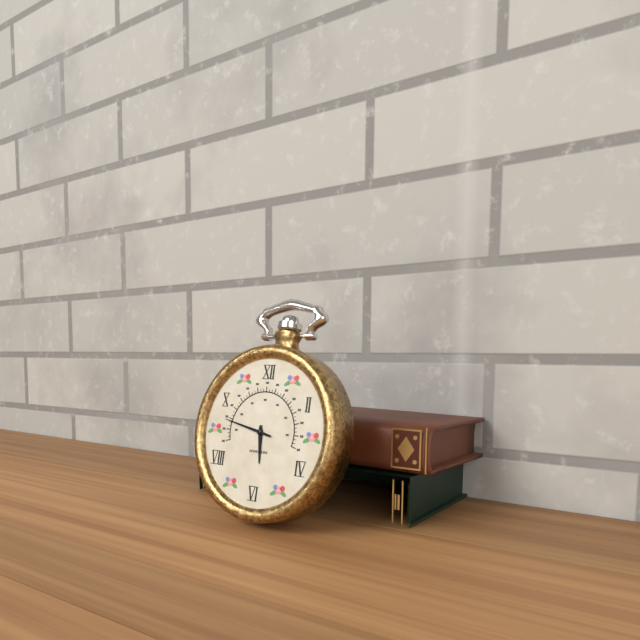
5:47
